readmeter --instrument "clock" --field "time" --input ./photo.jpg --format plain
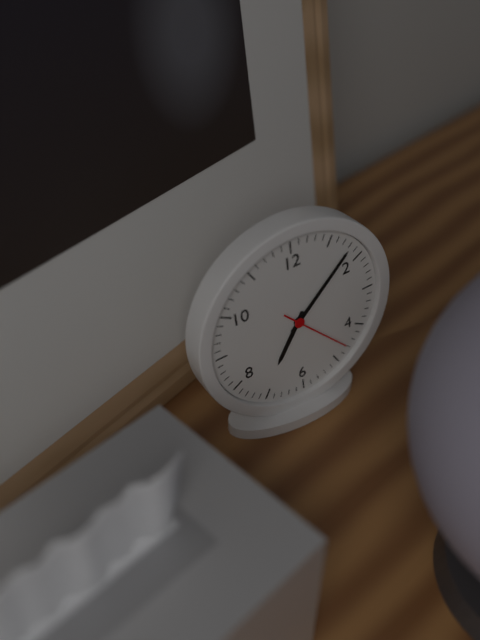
7:08:23
